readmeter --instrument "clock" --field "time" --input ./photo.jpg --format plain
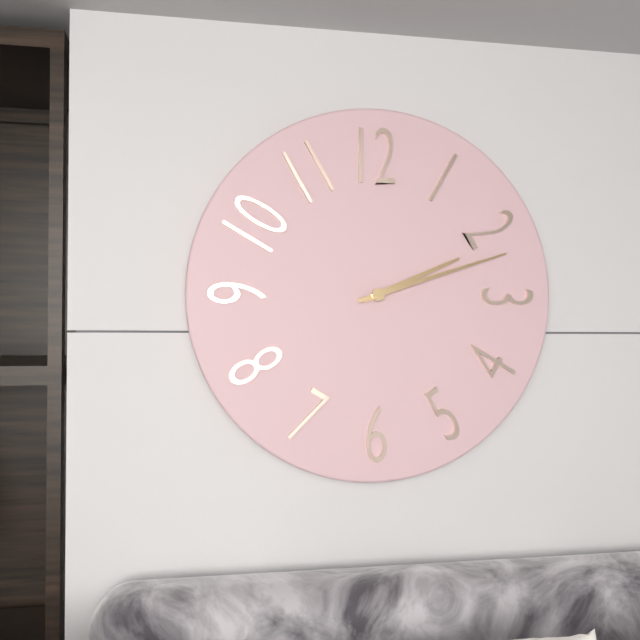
2:12
